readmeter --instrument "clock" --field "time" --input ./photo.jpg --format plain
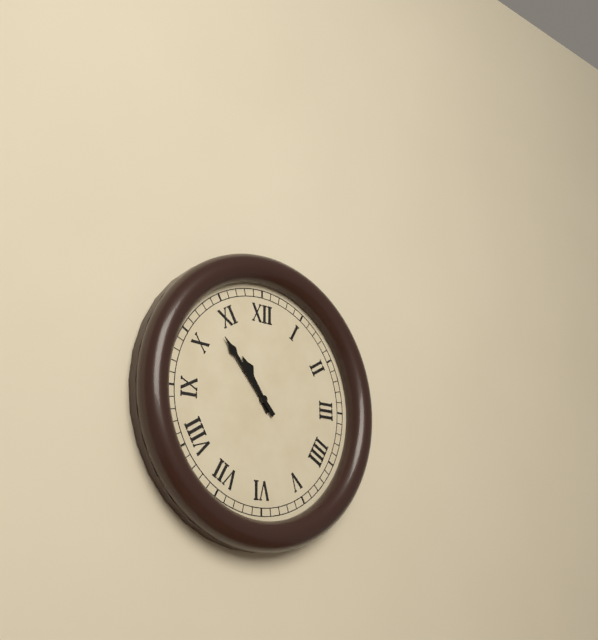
10:53
